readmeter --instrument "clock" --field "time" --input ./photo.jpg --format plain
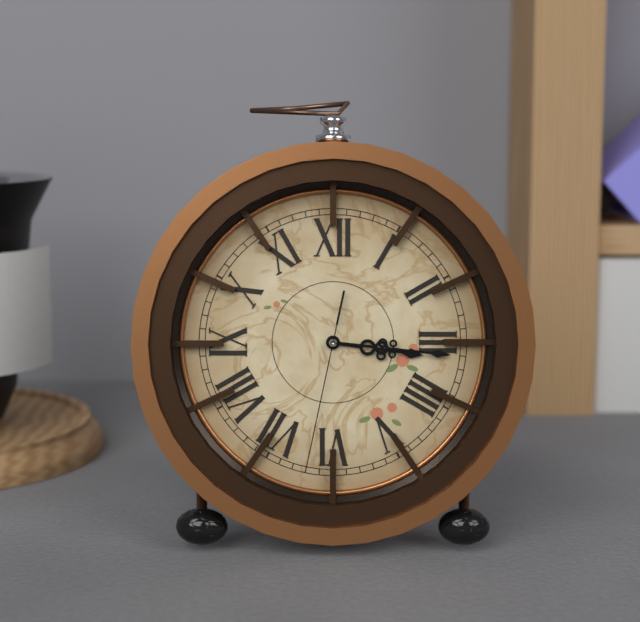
3:16:32
